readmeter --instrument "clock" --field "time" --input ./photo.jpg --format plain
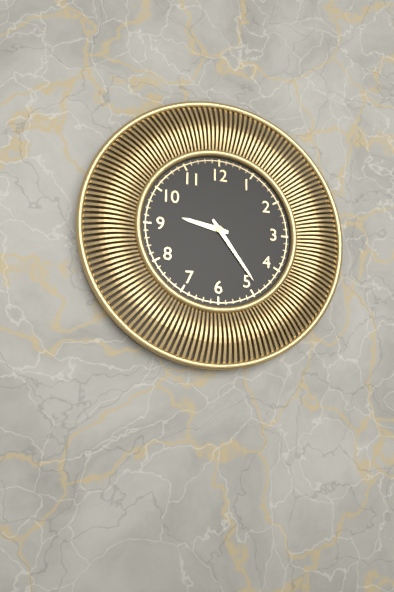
9:24
